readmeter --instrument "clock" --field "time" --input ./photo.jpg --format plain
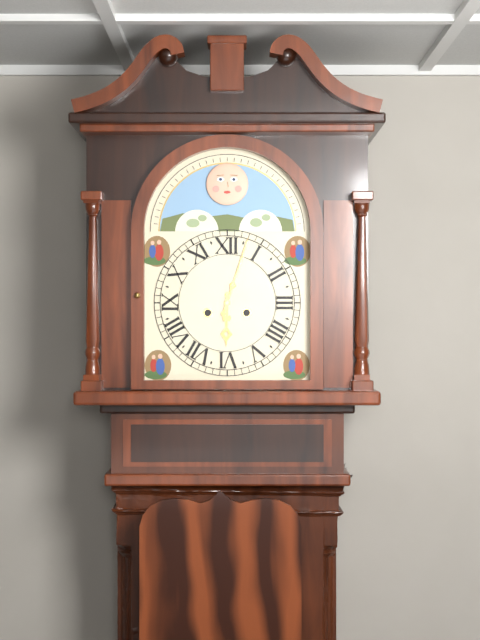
6:03
